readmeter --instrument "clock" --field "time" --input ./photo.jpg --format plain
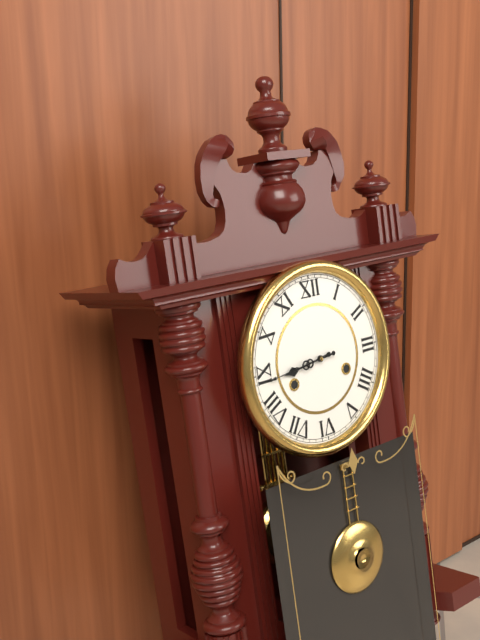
8:44
